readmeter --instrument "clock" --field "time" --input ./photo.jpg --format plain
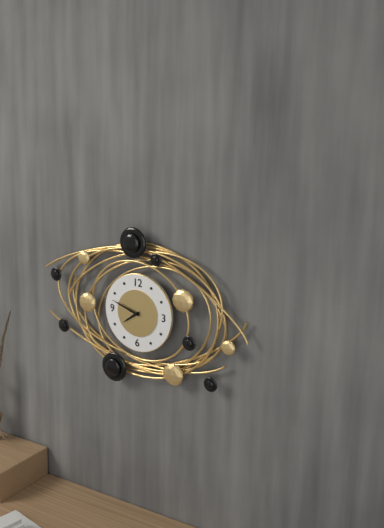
7:48
